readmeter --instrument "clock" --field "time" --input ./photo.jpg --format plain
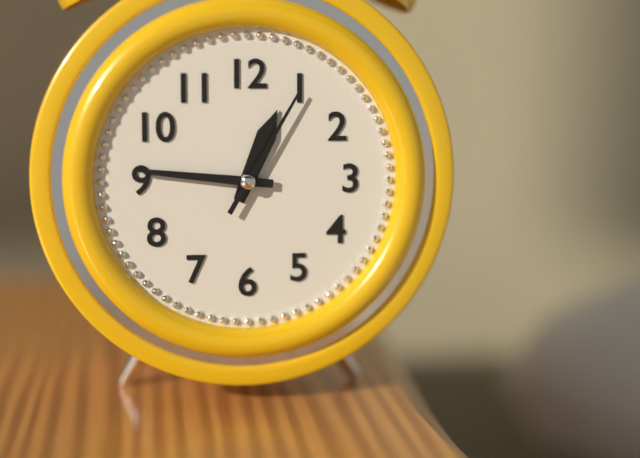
12:46:05
